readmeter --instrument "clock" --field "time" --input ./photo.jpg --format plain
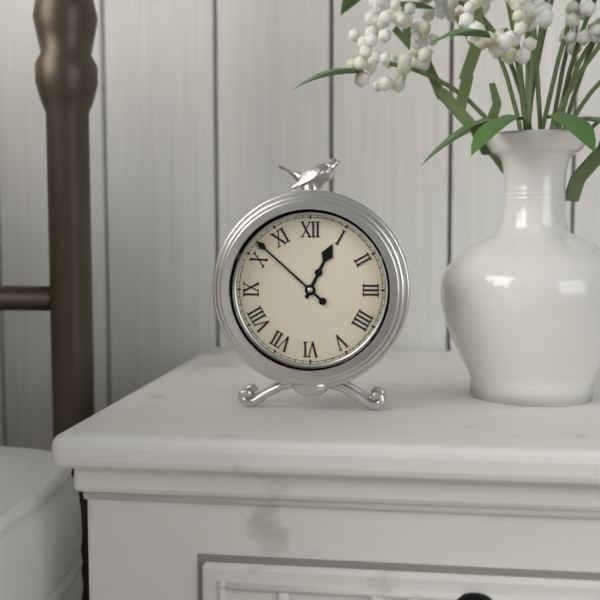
12:52
